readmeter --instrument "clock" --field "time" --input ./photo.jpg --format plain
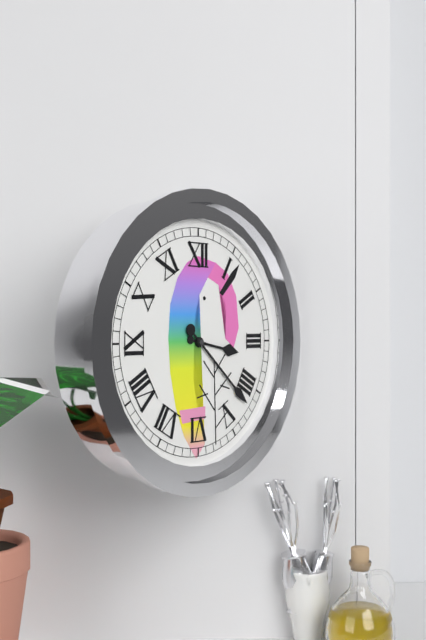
3:22
